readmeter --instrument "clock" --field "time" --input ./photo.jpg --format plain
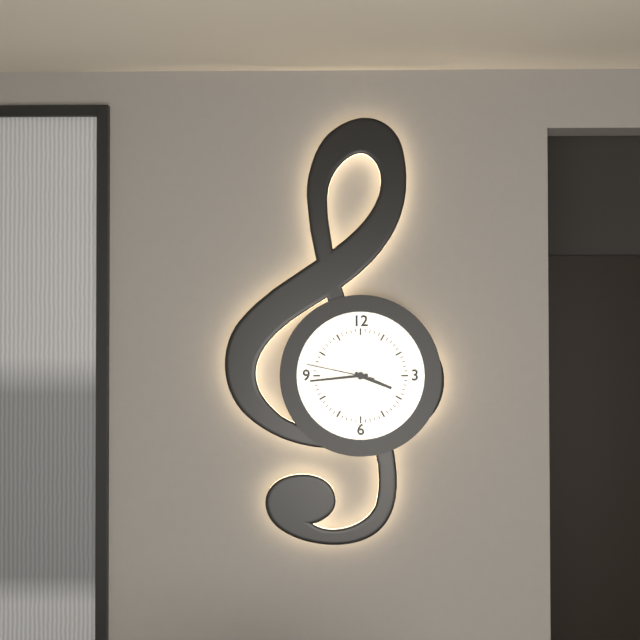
3:44:47
